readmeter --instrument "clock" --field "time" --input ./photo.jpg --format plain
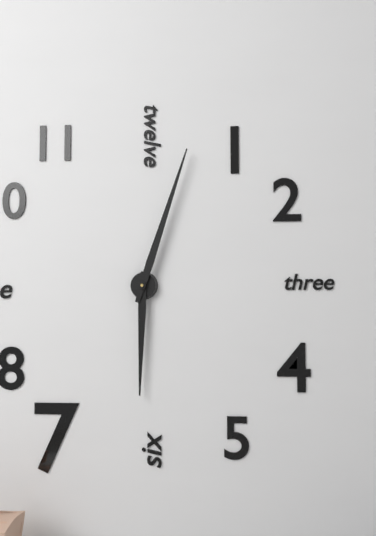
6:03
